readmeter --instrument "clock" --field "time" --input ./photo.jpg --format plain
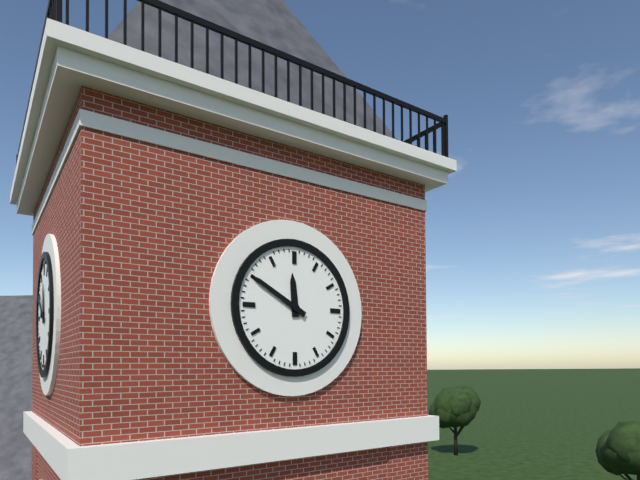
11:50
